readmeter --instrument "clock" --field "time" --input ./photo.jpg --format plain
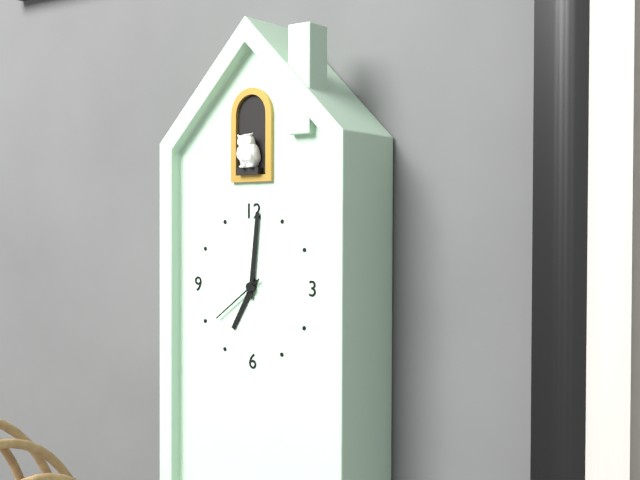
7:01:39
